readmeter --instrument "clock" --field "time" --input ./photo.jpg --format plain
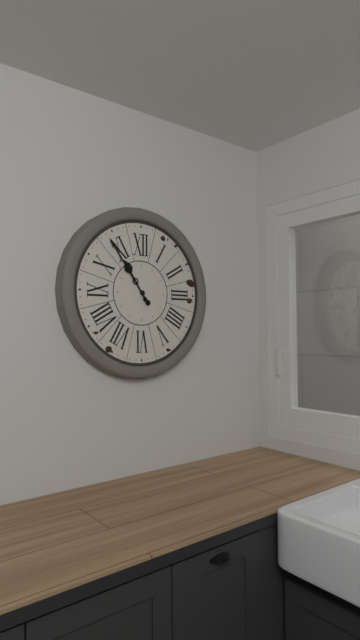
10:54
